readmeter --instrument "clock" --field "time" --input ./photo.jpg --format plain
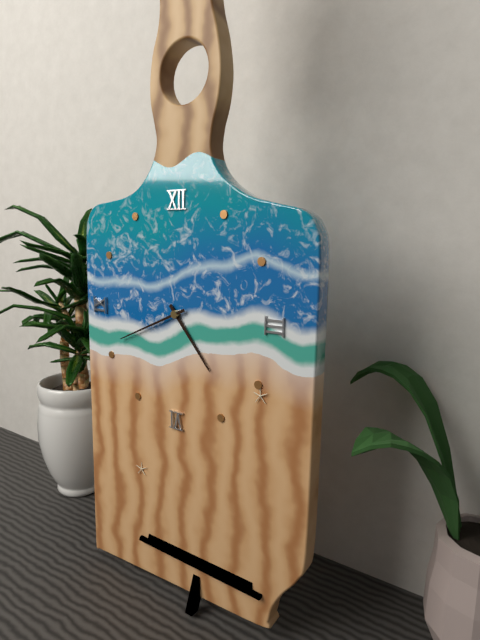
4:41
